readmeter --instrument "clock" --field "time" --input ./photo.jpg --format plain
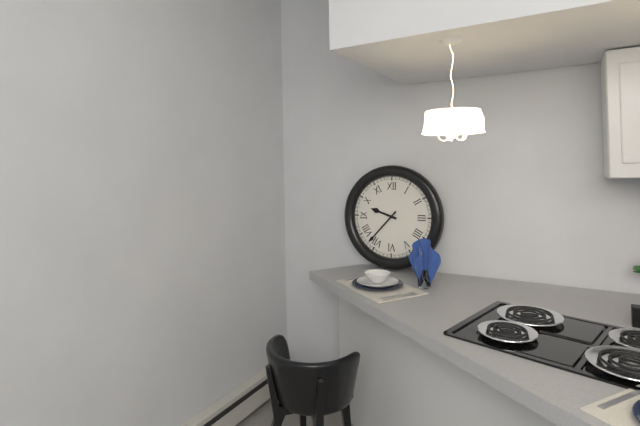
9:37
